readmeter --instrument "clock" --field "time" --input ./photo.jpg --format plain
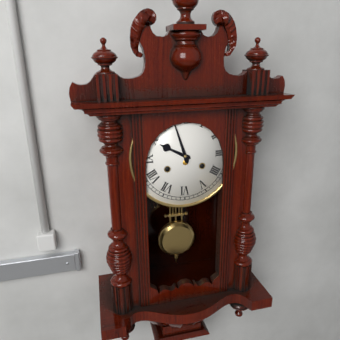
9:57
